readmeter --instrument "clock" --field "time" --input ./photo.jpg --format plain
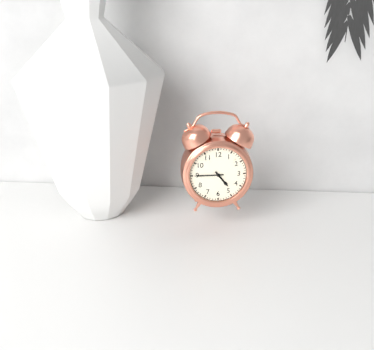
4:45
